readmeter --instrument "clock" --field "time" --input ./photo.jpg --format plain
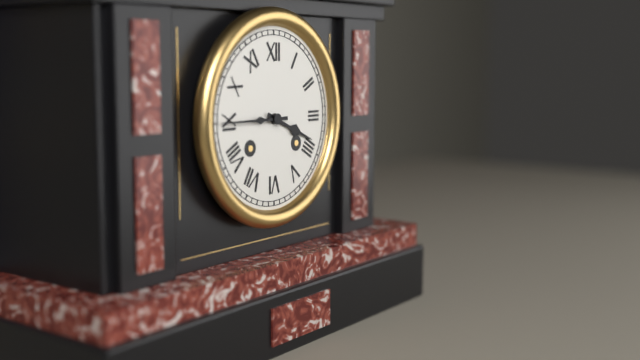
3:45
